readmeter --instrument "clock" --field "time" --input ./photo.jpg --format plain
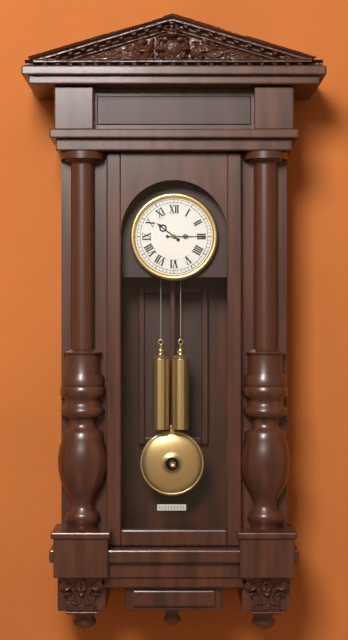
10:15
